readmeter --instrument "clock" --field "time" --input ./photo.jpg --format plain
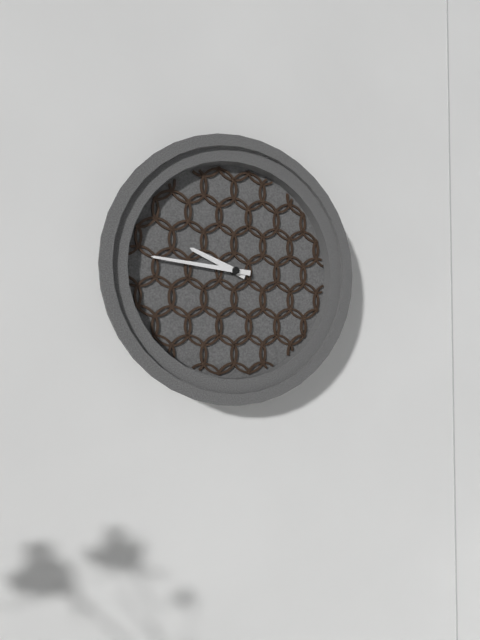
9:46
